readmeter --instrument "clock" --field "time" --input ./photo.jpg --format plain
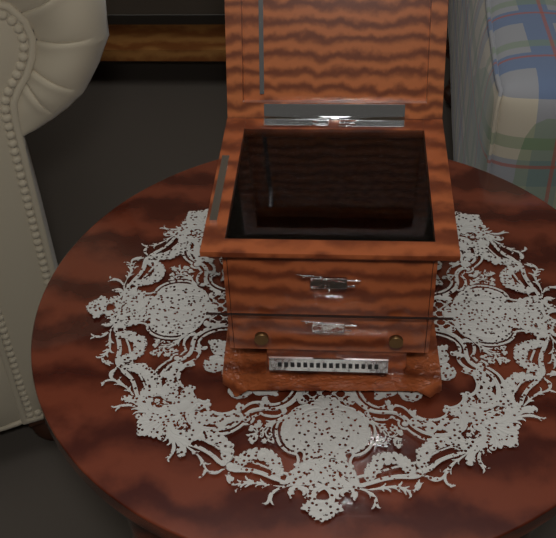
8:10
